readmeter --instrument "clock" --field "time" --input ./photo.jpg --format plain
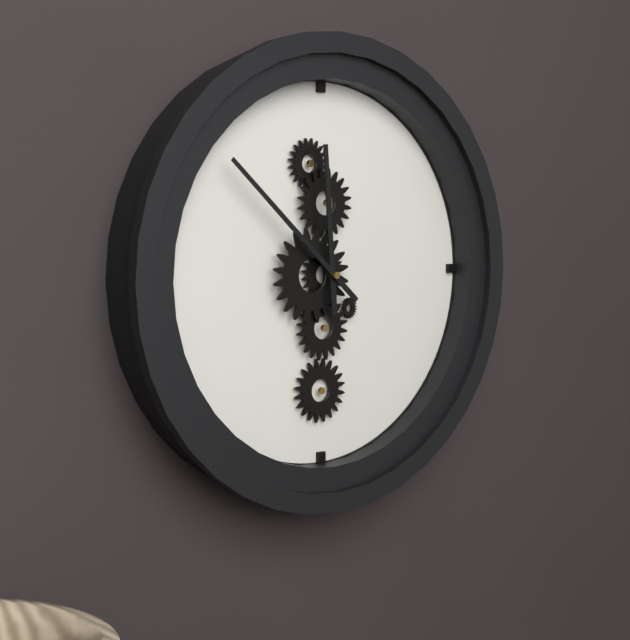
11:52
